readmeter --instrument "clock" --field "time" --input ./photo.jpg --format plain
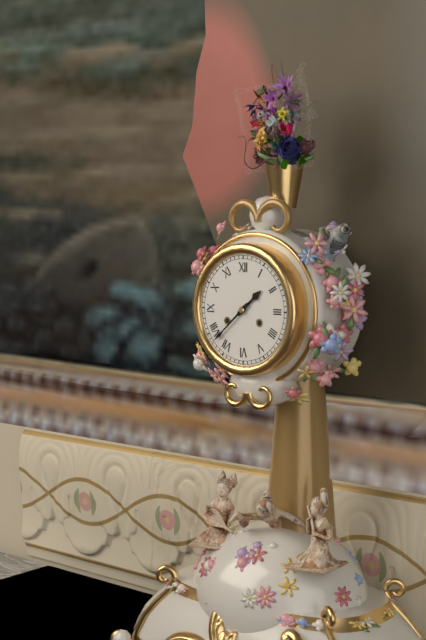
1:38
